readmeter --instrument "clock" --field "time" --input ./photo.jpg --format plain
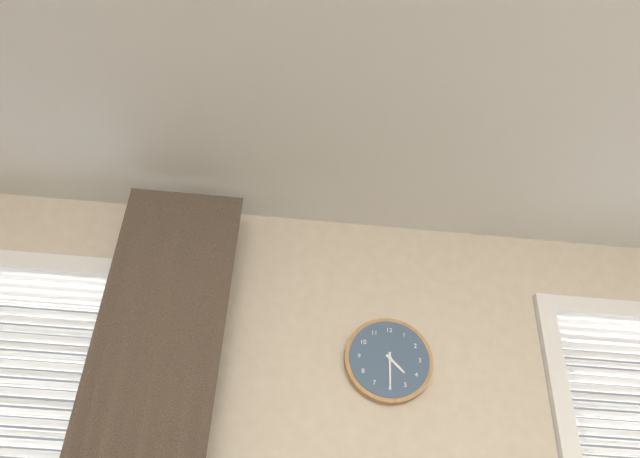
4:30
